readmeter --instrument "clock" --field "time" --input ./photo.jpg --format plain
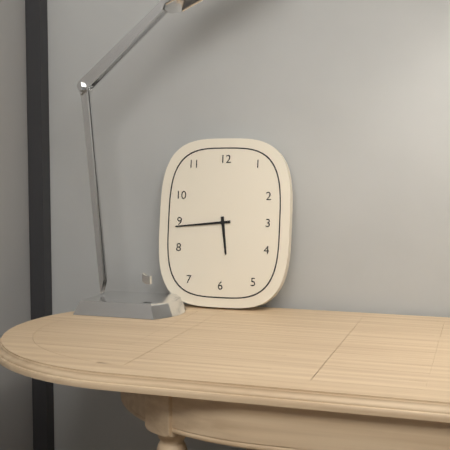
5:44
